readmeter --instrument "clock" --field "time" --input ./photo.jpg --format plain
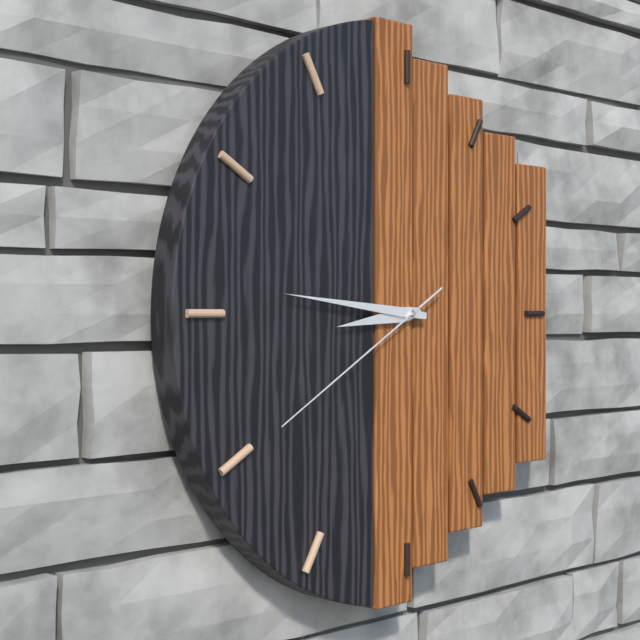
8:46:40
